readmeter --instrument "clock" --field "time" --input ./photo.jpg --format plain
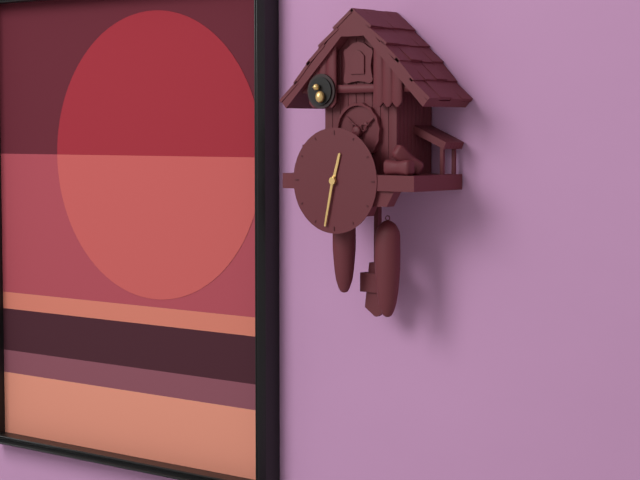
12:32
